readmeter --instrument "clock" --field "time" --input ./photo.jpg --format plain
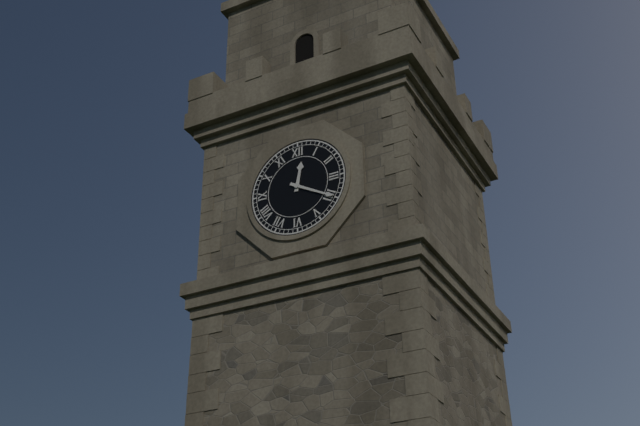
12:20
